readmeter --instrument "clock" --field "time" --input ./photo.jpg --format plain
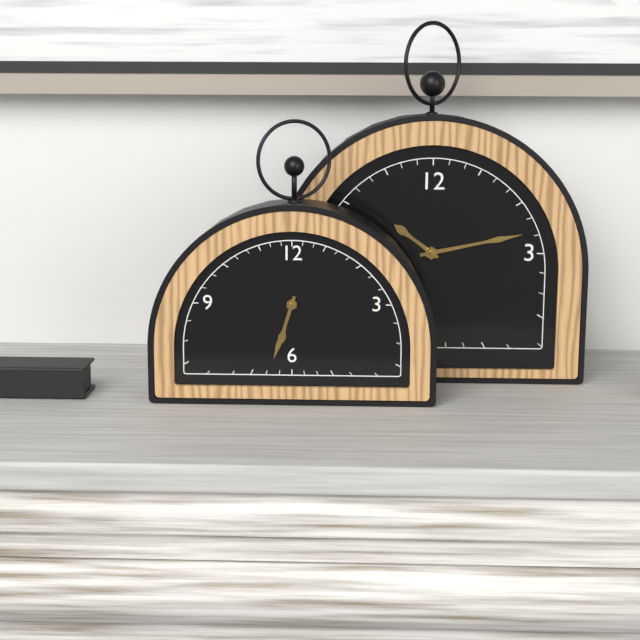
6:33
